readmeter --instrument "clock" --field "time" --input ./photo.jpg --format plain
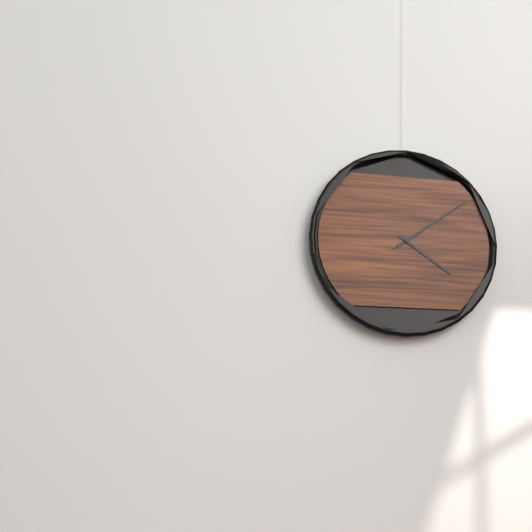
4:09:09
